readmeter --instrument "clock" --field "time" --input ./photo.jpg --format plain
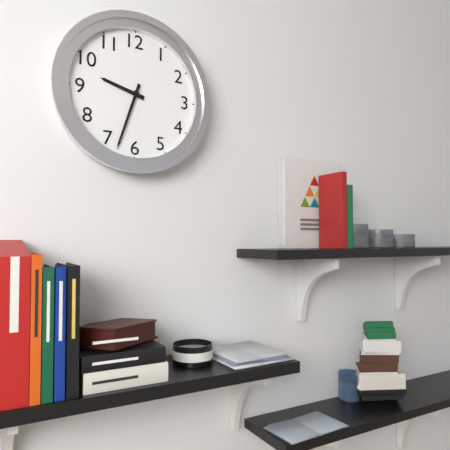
9:33
